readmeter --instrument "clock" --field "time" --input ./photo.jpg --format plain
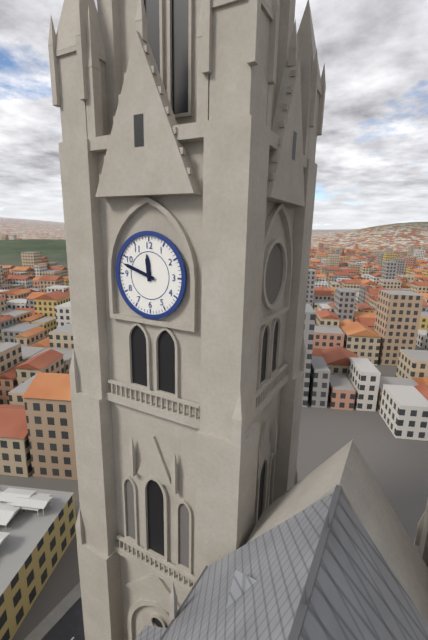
11:48
